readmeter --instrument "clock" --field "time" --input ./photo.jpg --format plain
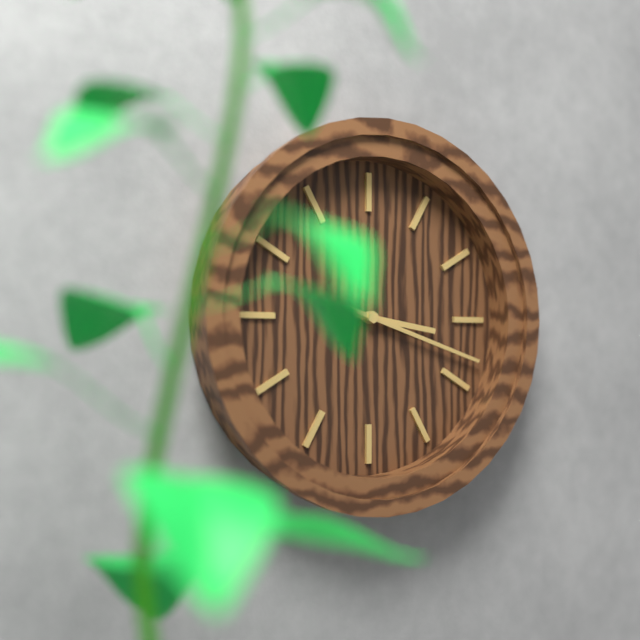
3:18
